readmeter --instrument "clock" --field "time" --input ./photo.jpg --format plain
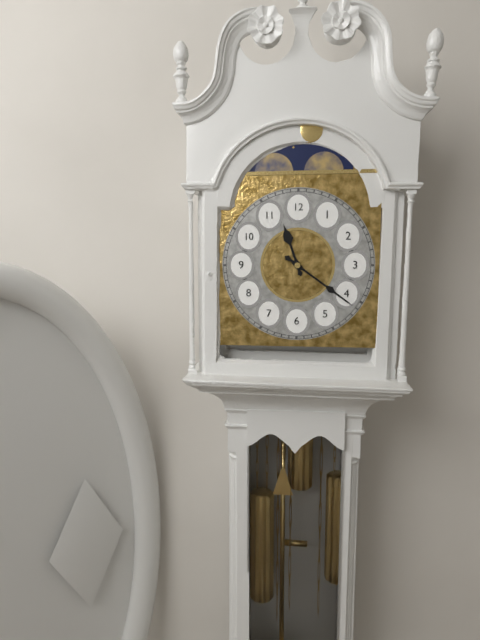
11:21
